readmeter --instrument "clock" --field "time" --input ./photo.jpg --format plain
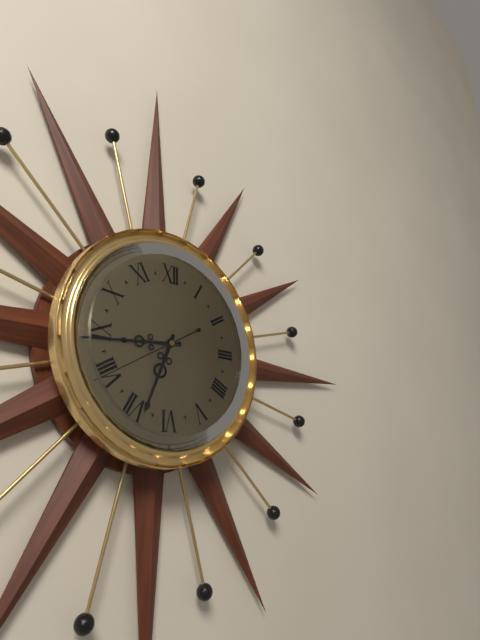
6:44:40
